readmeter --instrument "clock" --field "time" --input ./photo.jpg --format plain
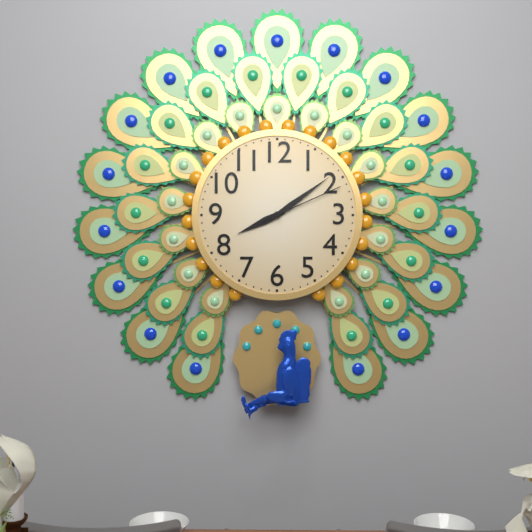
8:09:11
